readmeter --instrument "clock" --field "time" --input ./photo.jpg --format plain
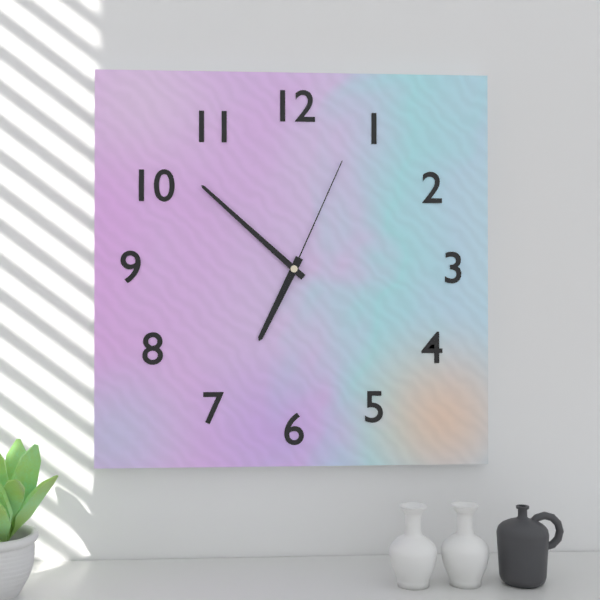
6:52:04
